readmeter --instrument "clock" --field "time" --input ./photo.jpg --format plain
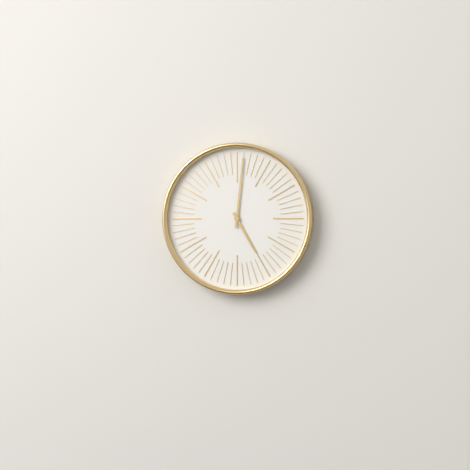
5:01
